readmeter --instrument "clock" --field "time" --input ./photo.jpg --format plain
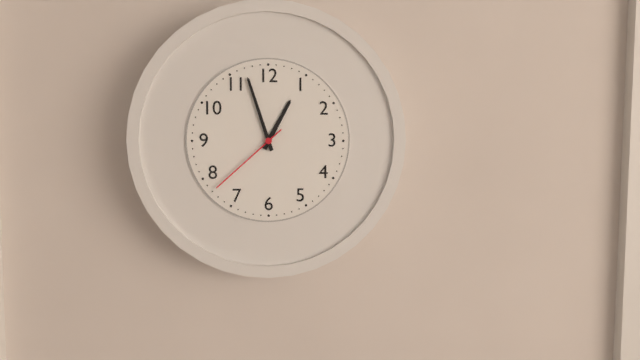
12:57:38
